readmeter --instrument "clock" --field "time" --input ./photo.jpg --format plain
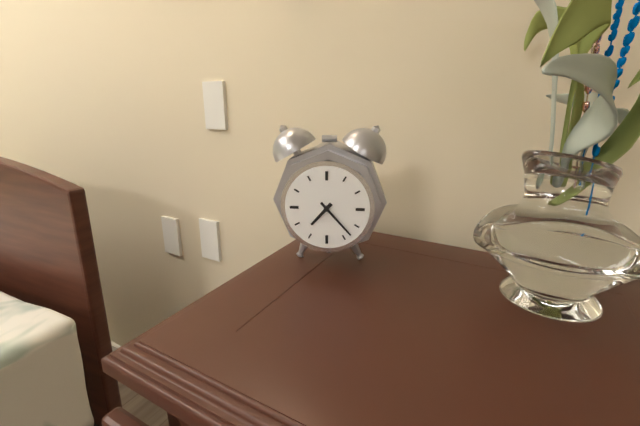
7:23
